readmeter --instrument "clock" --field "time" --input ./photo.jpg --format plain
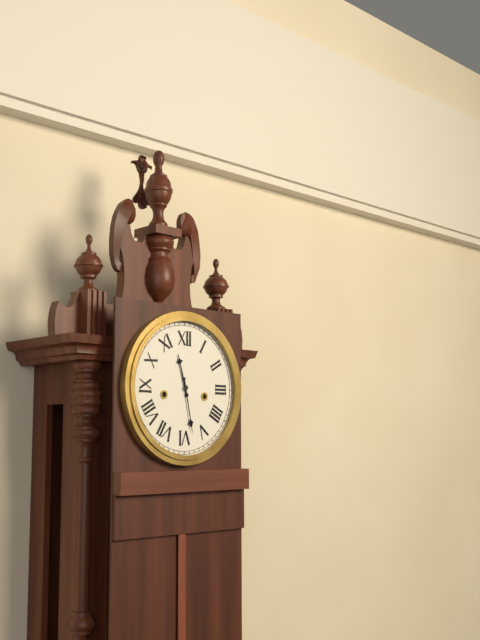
11:28
